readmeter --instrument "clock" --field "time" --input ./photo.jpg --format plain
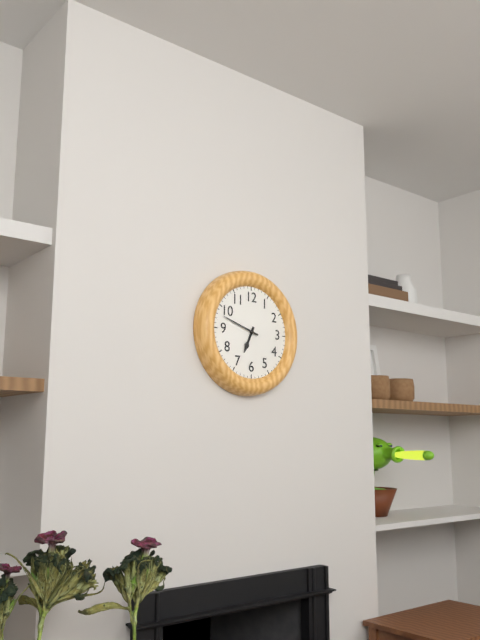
6:48
